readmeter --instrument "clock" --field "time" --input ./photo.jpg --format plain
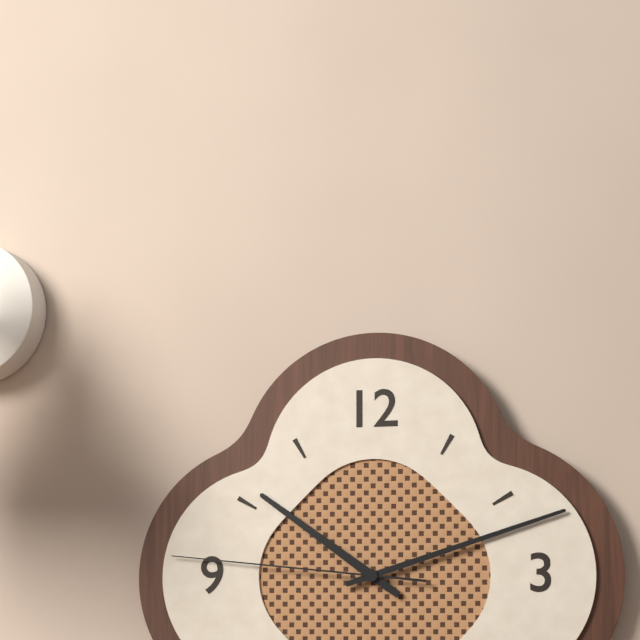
10:12:46
